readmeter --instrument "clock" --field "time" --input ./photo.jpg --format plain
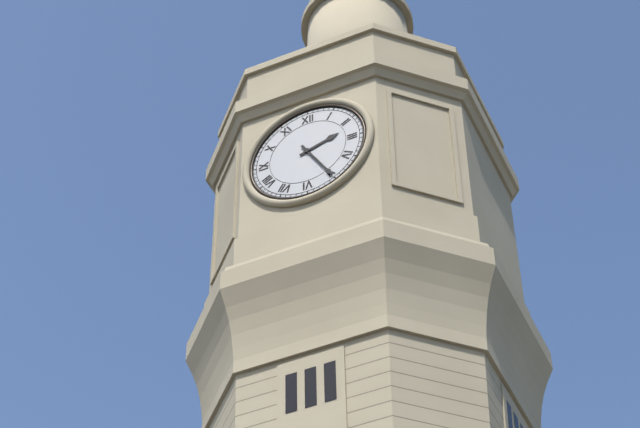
2:25
